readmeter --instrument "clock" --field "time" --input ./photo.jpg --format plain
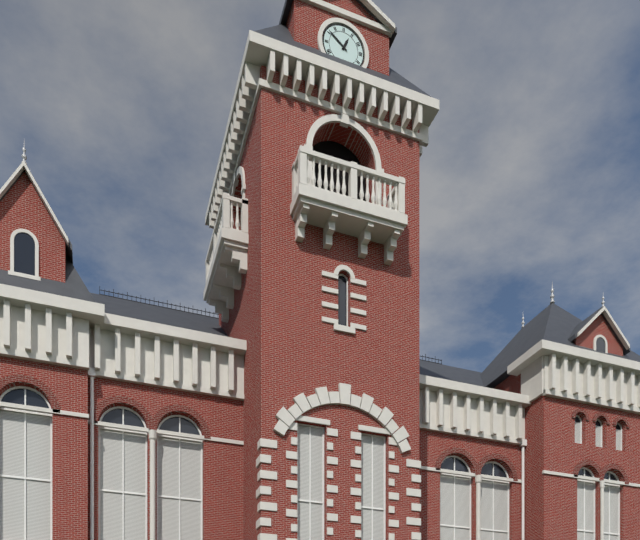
12:51
